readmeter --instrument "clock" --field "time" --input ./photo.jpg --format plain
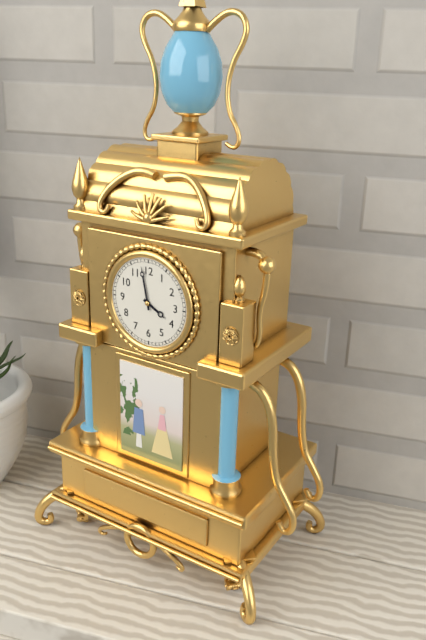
3:58
